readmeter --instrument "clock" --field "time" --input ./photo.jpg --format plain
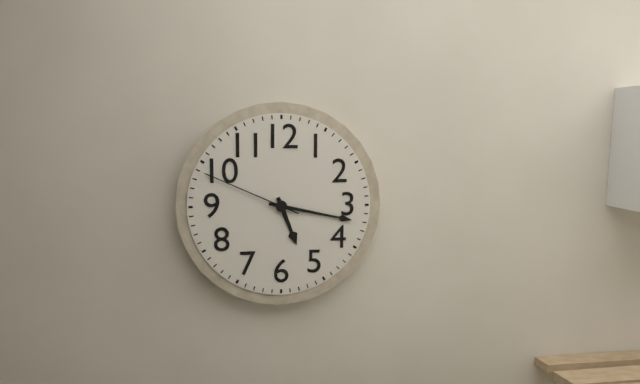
5:17:49
